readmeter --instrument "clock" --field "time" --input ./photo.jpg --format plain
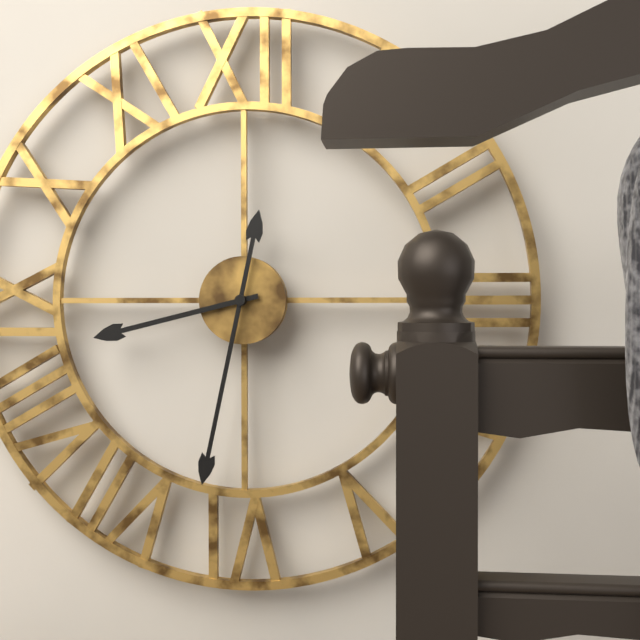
8:32
